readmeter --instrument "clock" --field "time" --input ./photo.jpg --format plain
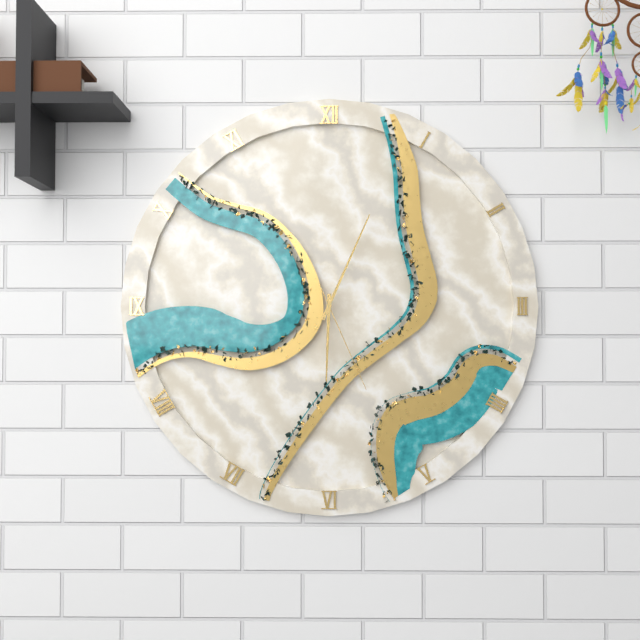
6:04:26
